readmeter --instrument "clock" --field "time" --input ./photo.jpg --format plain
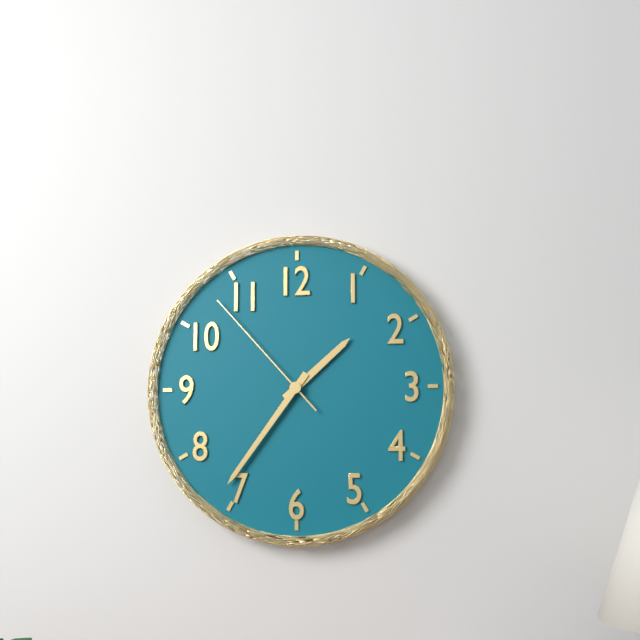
1:36:53
